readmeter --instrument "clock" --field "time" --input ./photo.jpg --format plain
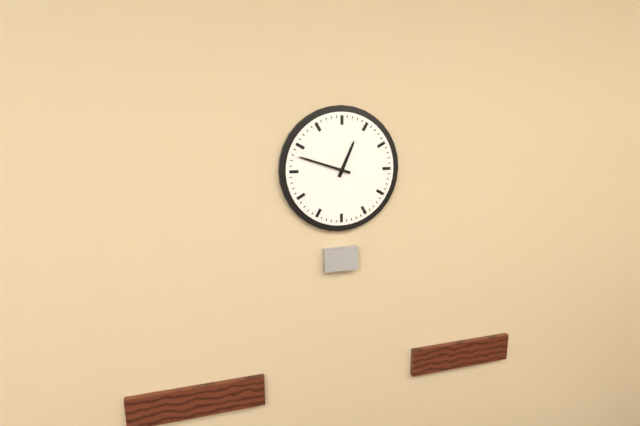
12:48
